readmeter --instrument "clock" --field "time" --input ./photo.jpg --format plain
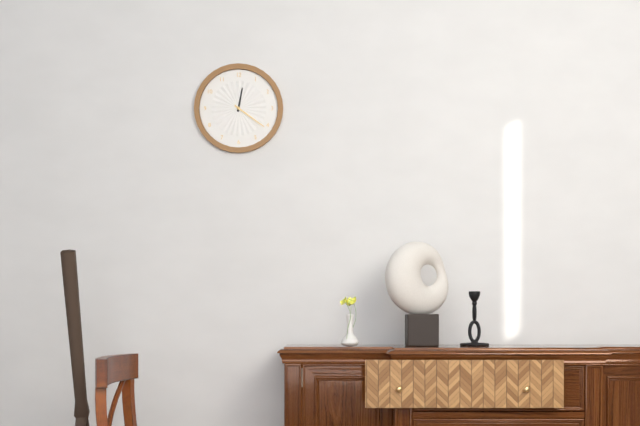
12:21
